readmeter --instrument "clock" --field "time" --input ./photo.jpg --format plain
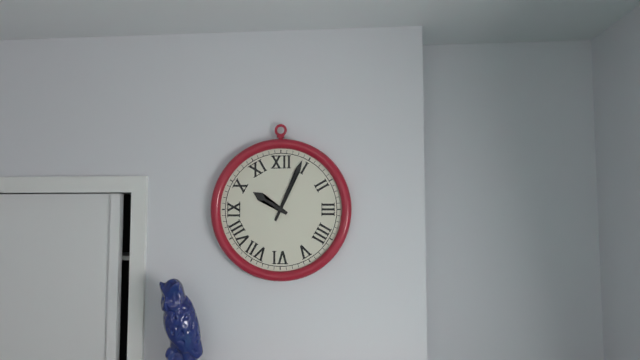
10:04
